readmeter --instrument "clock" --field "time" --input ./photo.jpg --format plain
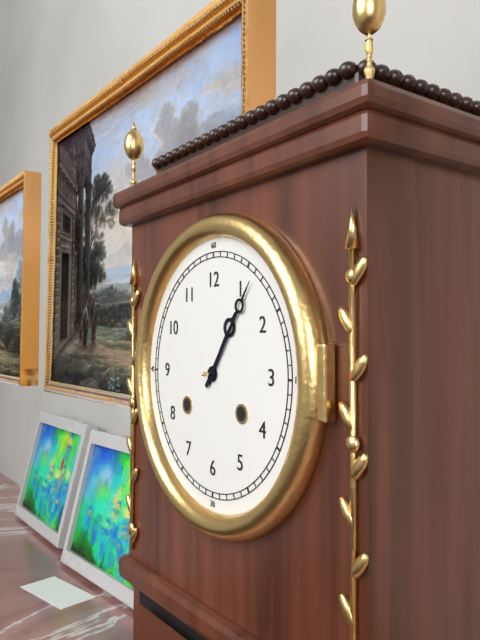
1:06
